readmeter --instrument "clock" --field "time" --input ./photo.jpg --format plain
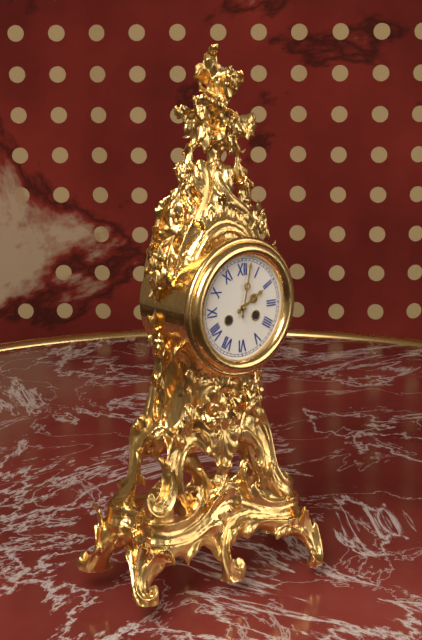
2:02
